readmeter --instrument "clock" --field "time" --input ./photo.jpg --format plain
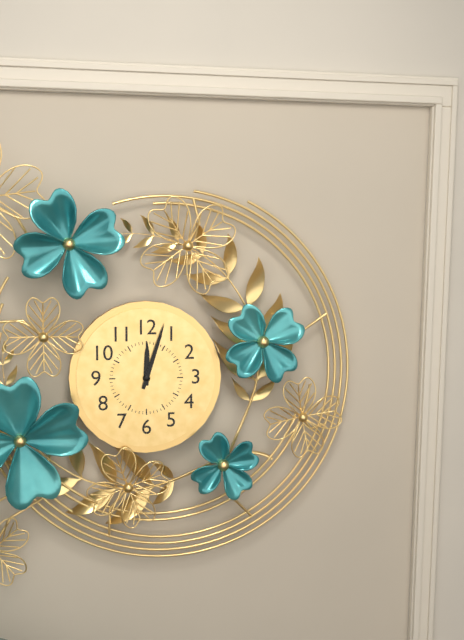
12:03
